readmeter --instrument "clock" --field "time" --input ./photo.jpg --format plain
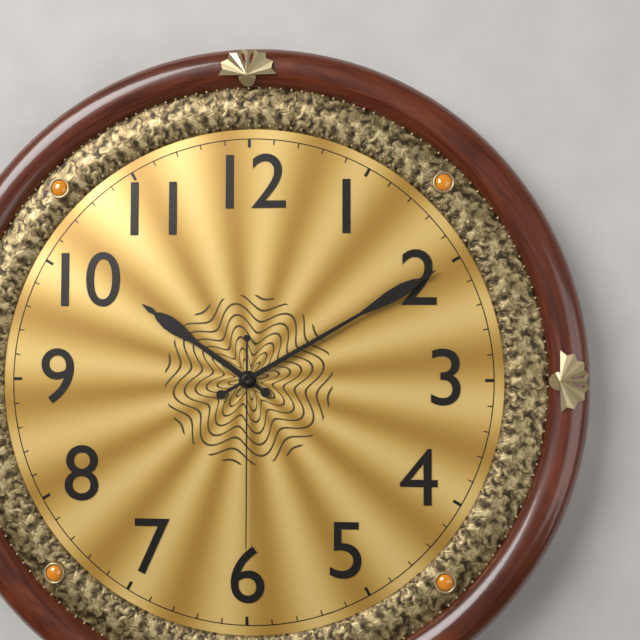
10:10:30
